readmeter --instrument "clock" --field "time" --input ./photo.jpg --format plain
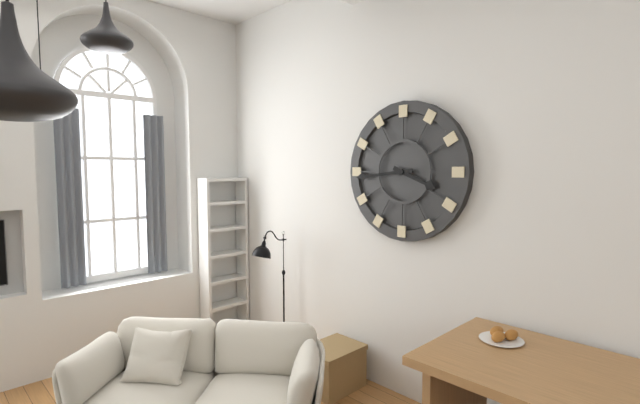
3:44
